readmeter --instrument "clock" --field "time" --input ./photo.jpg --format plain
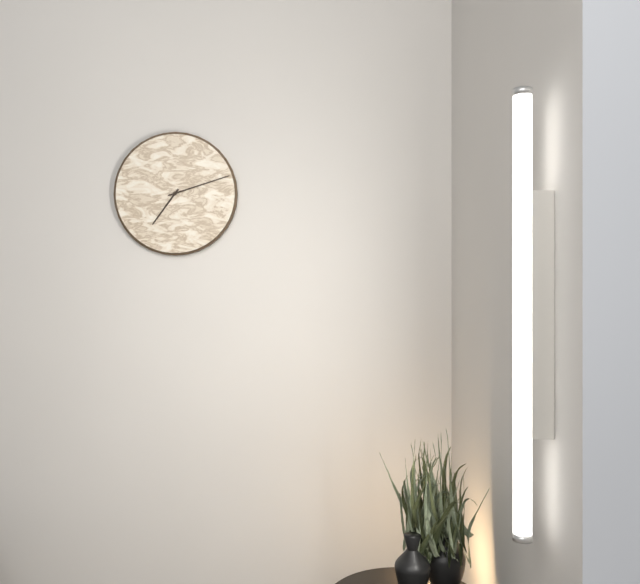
7:12
